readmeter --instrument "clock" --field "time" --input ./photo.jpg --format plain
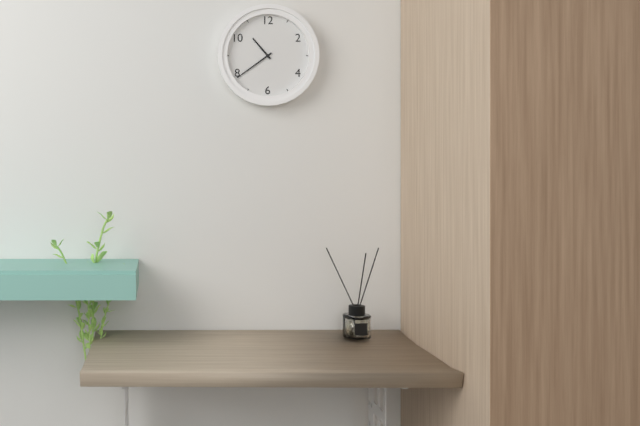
10:39
